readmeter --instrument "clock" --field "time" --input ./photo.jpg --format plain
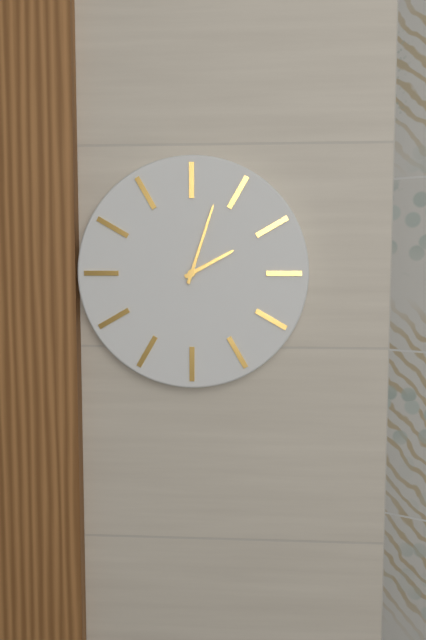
2:03
